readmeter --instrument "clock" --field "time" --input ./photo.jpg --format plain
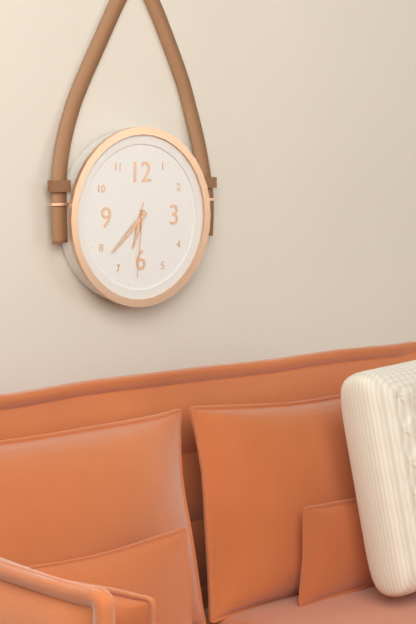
6:38:31
